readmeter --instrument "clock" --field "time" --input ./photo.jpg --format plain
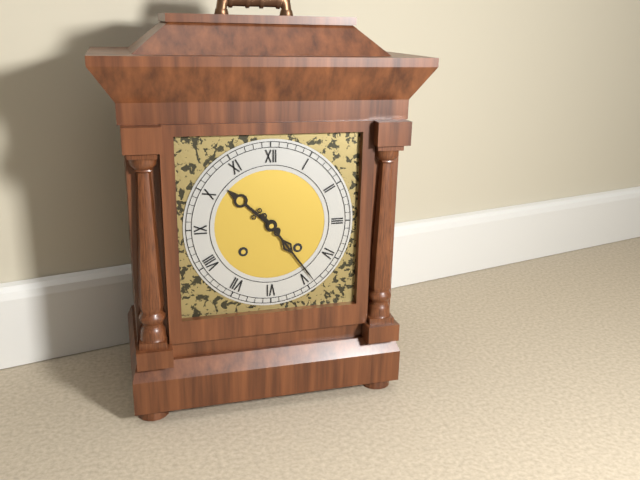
10:24
